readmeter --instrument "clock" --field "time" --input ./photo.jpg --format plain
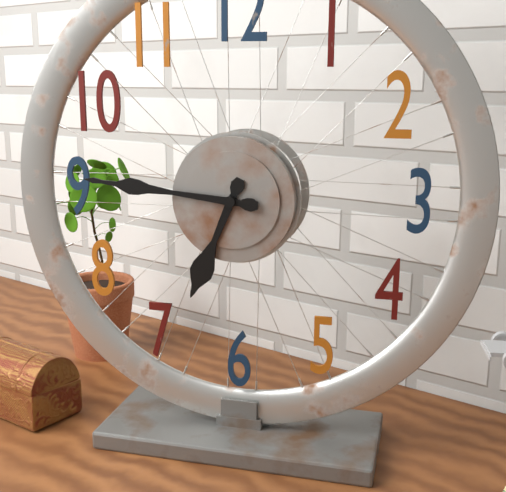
6:46
